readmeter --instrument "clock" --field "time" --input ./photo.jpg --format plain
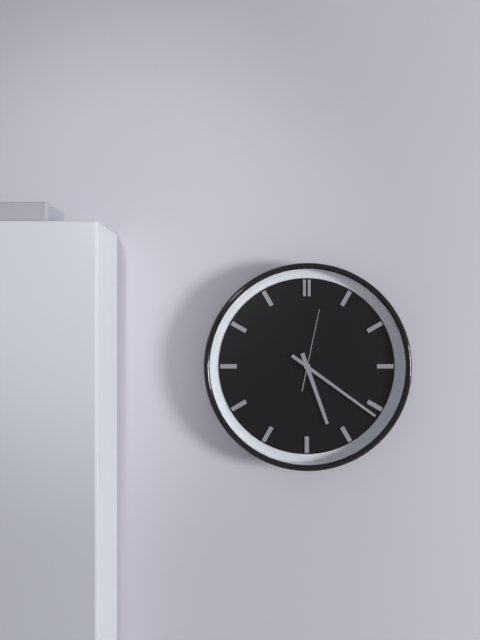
5:21:02
